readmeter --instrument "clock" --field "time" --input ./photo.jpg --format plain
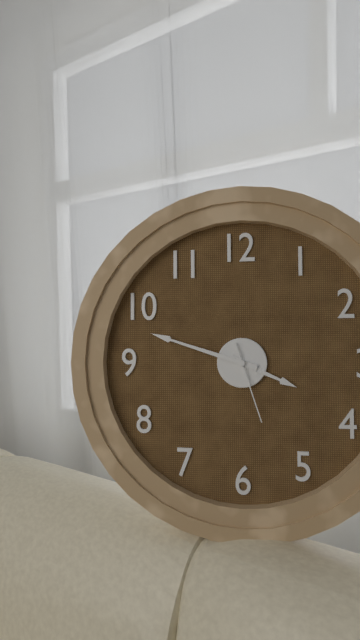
3:48:27
